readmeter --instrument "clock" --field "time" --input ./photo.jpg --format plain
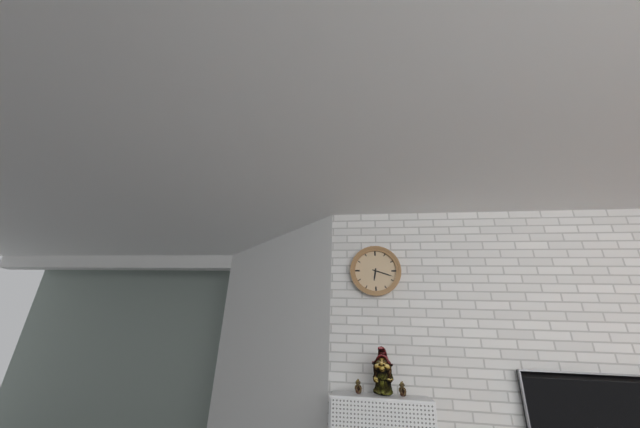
6:18
